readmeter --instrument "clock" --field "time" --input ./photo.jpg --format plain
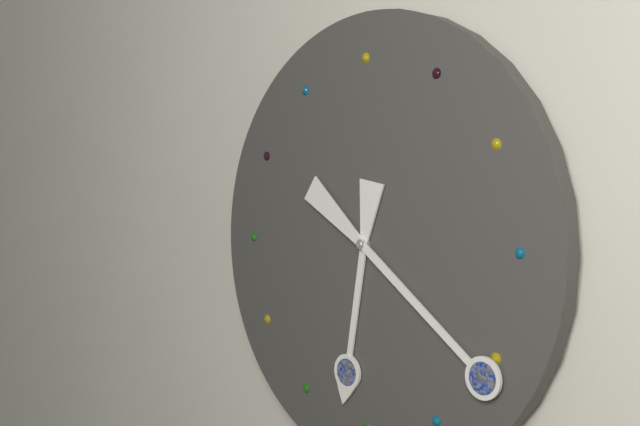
6:21
